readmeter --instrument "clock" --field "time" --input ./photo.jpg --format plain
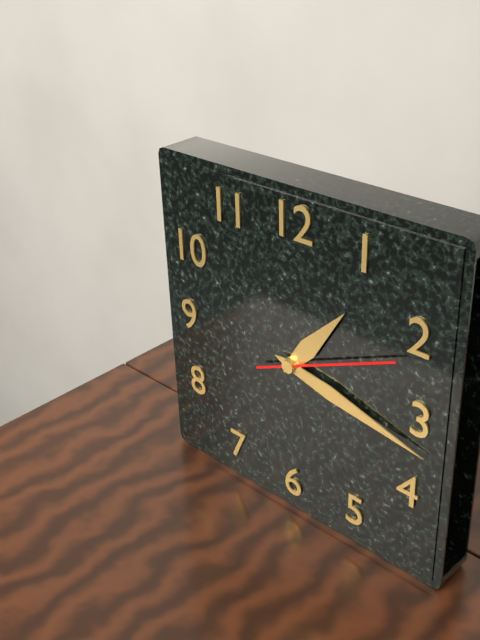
1:17:11
